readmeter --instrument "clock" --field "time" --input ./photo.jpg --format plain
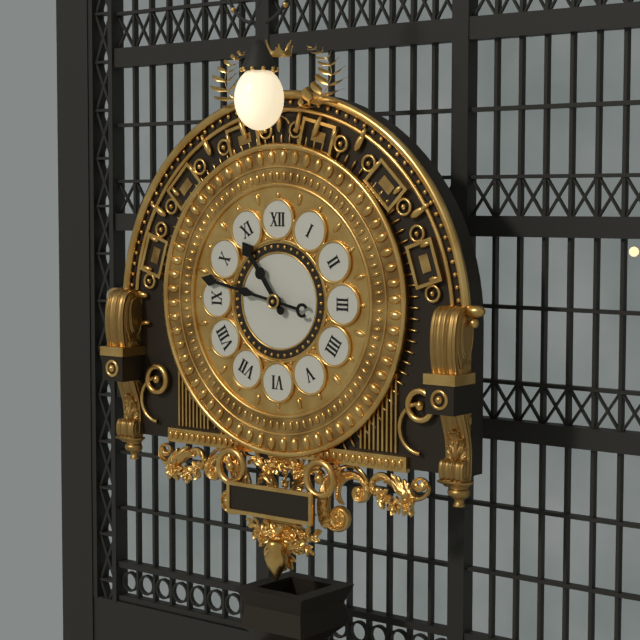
10:47
